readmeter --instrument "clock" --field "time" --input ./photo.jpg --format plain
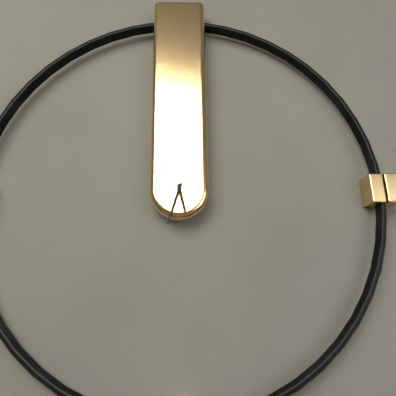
5:33
